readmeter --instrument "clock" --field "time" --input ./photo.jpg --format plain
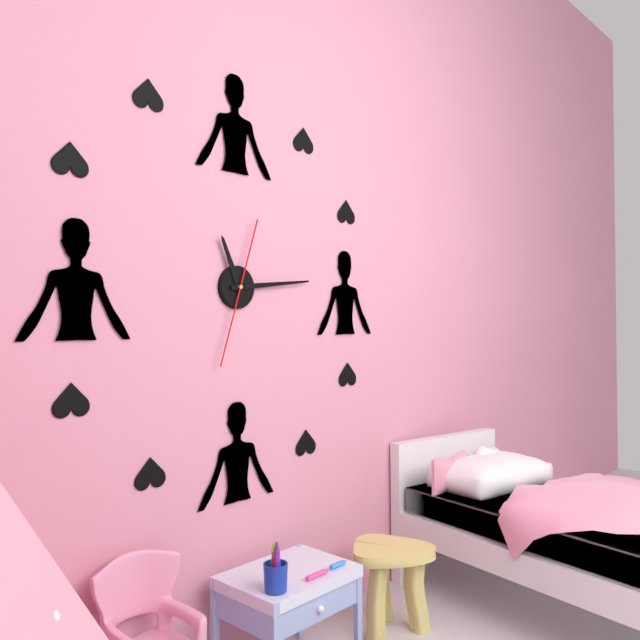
11:14:33
